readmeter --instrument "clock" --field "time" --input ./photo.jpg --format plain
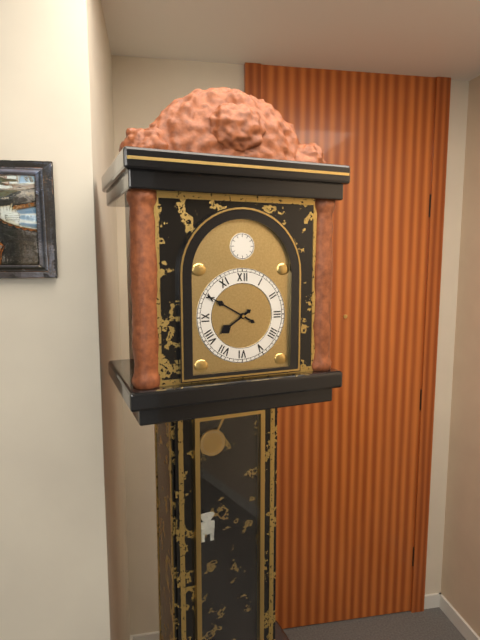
7:50
